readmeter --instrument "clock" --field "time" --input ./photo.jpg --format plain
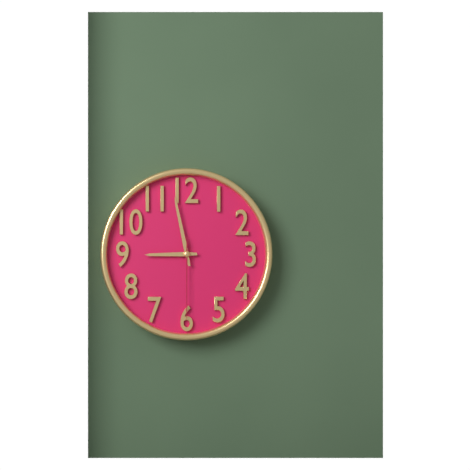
8:58:30
